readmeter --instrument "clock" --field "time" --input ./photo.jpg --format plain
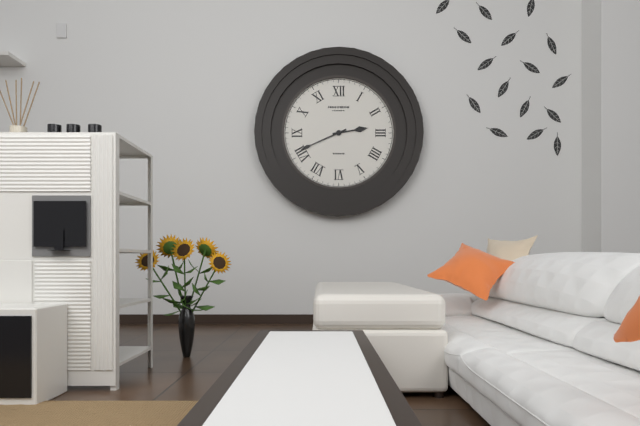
2:41
